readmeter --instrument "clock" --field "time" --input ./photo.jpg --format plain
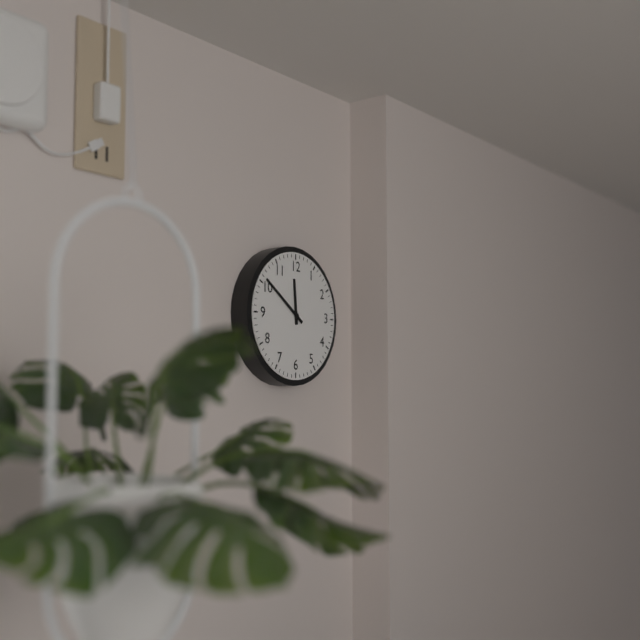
11:51
